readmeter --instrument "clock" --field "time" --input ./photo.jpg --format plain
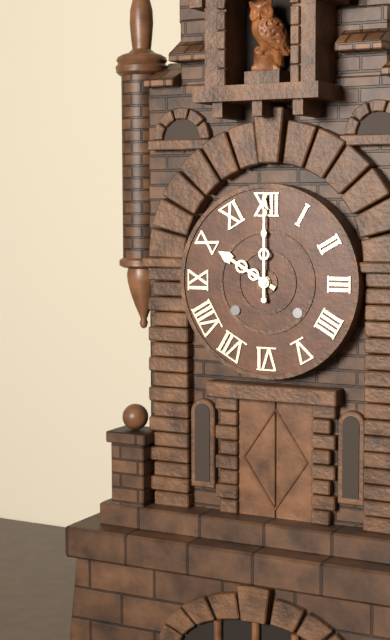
10:00
